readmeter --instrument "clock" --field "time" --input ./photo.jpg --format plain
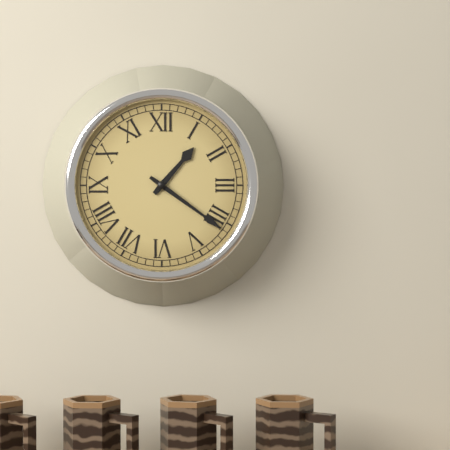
1:21
